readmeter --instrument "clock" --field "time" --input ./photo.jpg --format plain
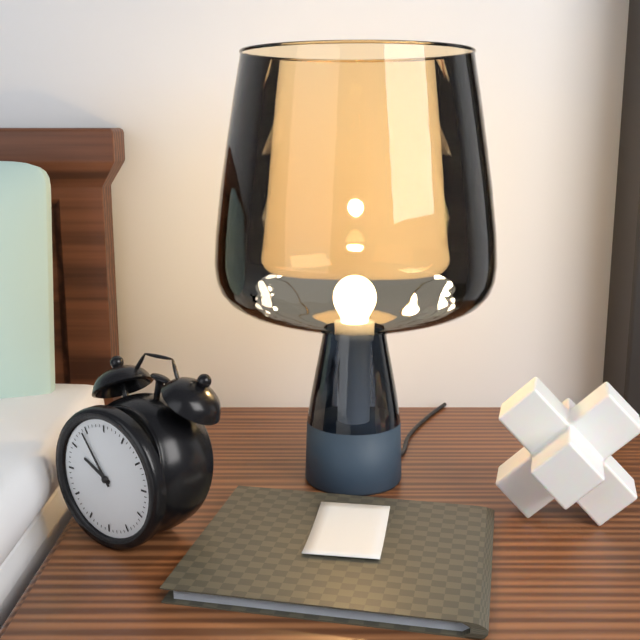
9:54
